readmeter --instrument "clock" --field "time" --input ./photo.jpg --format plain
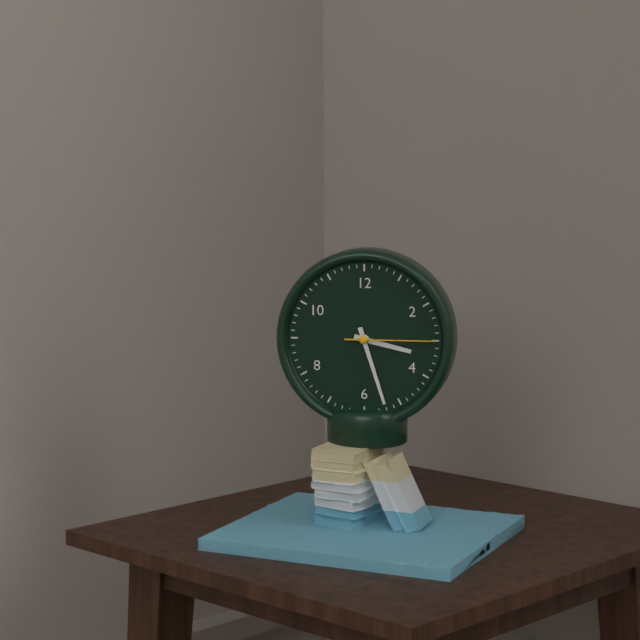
3:27:15
